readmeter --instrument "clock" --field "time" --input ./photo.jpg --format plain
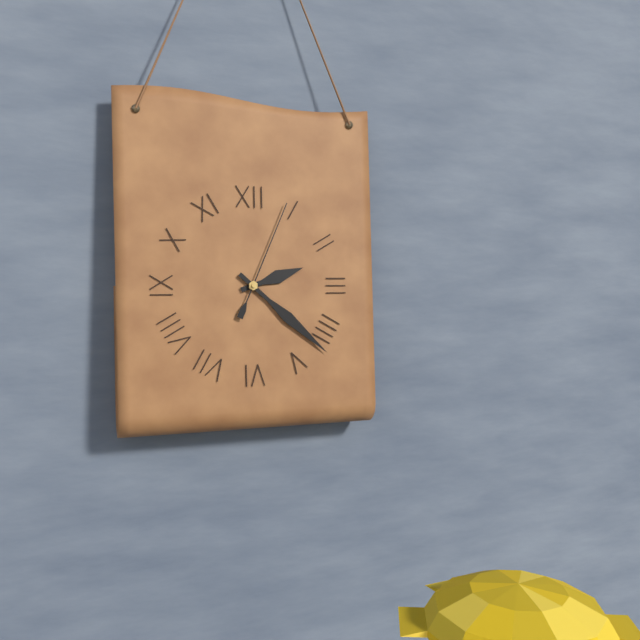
2:22:04
